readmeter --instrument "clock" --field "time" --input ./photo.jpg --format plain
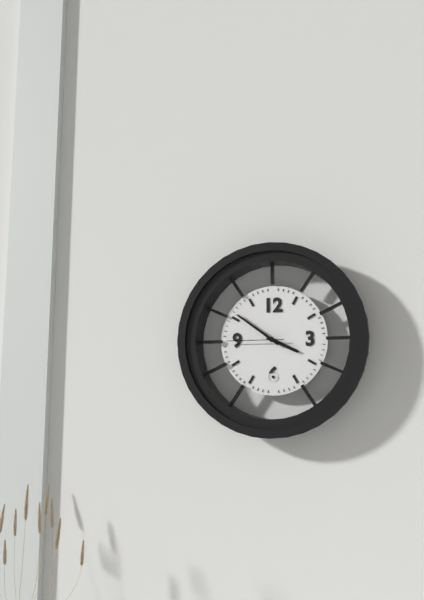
3:51:45
